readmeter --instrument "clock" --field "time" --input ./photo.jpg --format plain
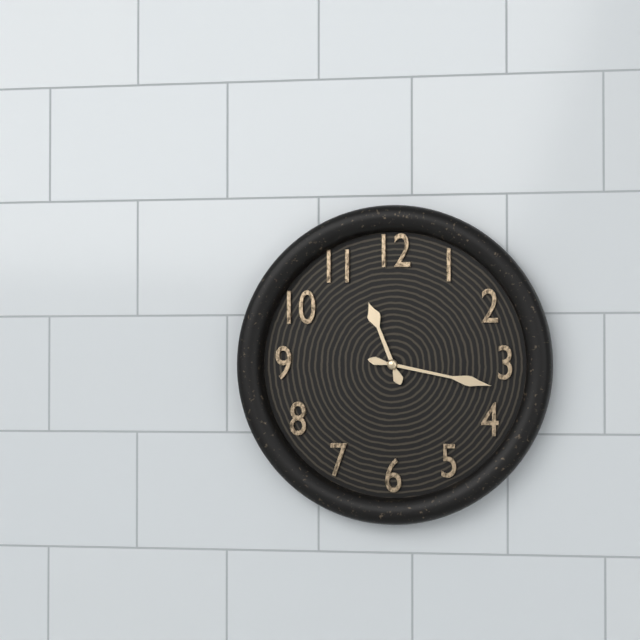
11:17
